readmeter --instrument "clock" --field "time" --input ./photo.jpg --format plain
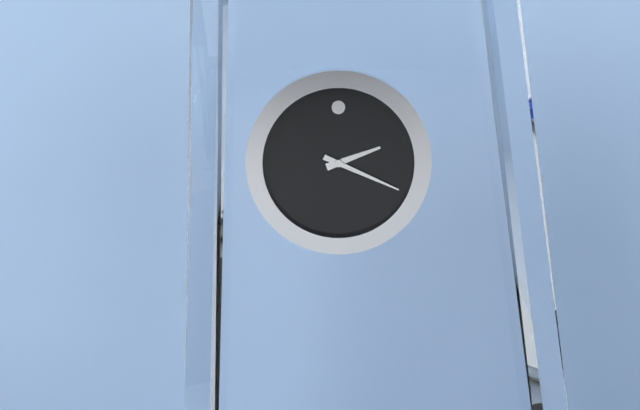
2:19
